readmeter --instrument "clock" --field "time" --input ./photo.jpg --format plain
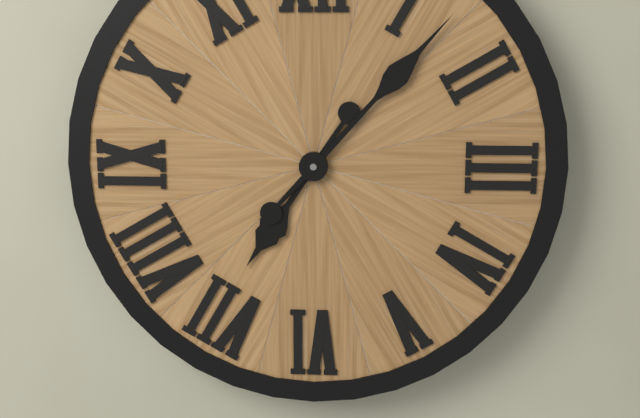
7:07
